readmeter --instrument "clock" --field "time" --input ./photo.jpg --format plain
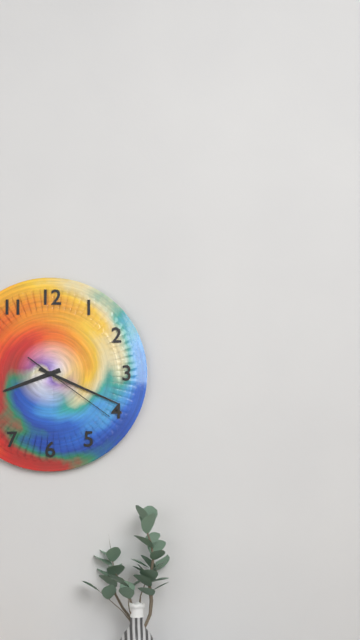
8:19:21
